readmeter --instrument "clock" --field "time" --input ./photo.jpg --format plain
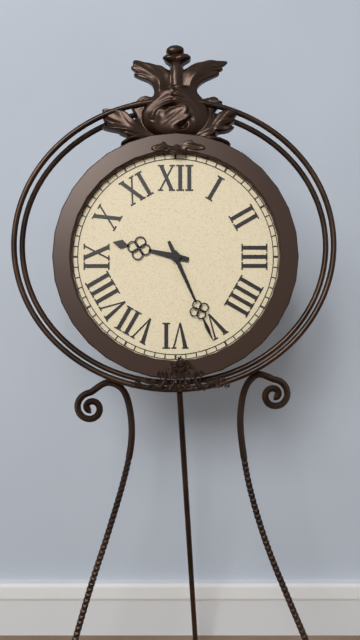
9:26
